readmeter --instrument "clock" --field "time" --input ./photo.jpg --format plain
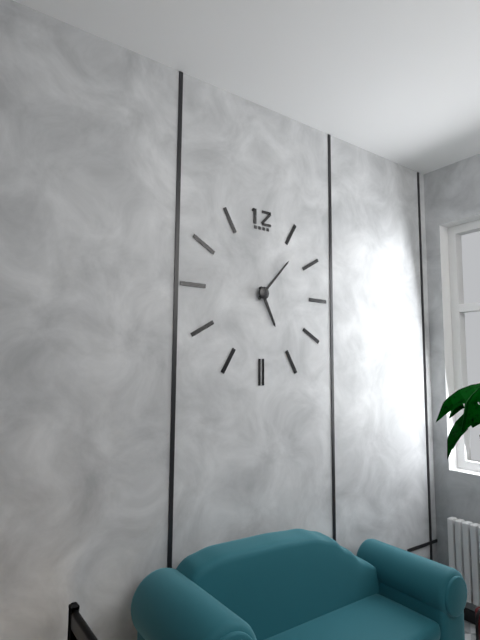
5:07
